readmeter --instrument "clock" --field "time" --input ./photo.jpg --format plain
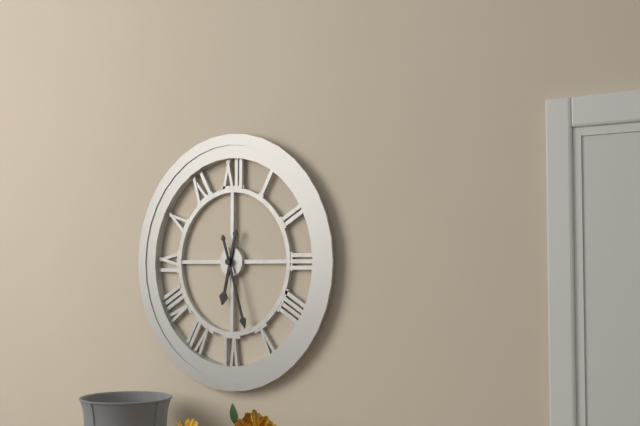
6:27
